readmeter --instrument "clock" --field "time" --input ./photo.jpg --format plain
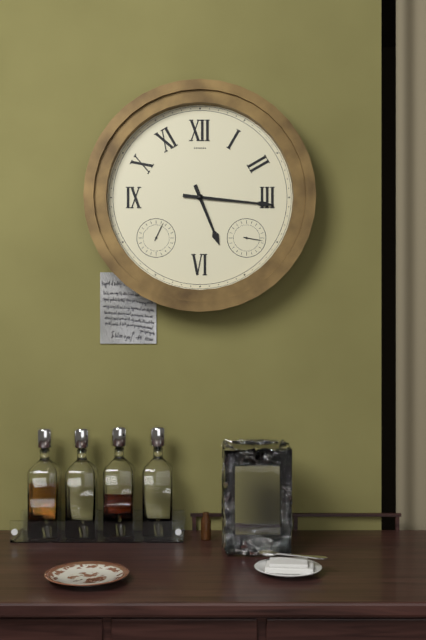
5:16
